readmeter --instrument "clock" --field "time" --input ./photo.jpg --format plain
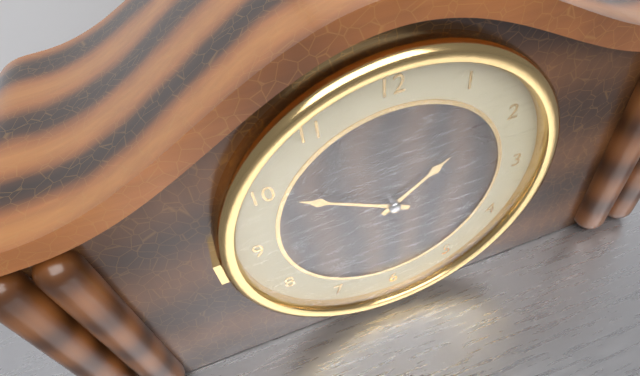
1:50
